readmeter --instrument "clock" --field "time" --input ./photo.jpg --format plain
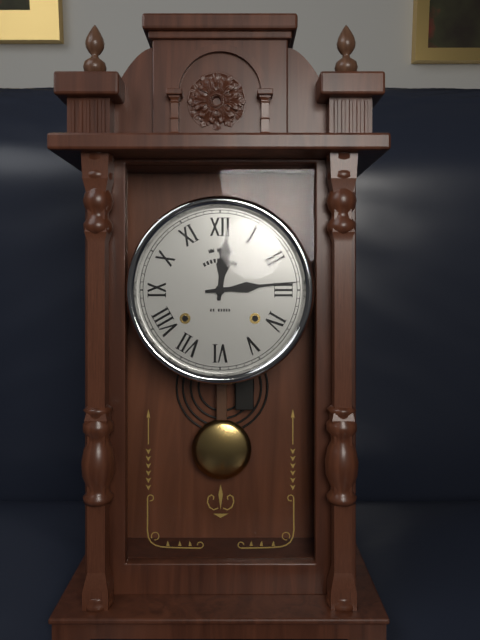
12:14
